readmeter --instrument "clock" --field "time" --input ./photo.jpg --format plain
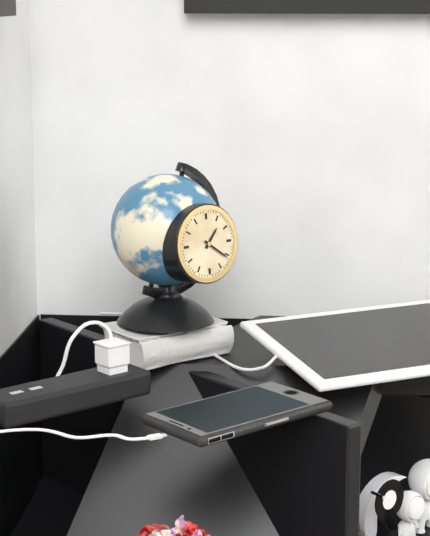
1:21
